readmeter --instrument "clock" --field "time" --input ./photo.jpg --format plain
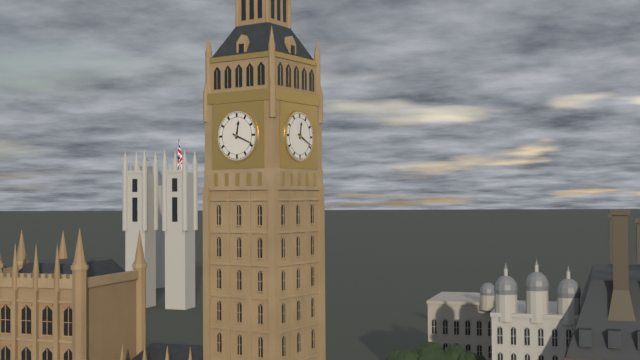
12:19
